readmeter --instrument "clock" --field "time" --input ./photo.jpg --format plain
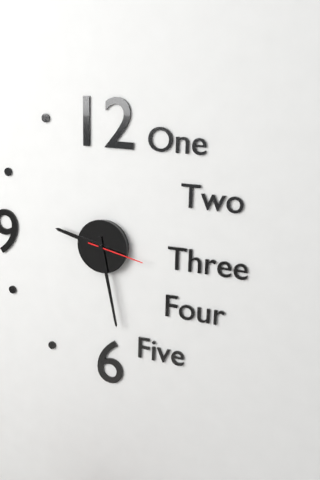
9:28:17
